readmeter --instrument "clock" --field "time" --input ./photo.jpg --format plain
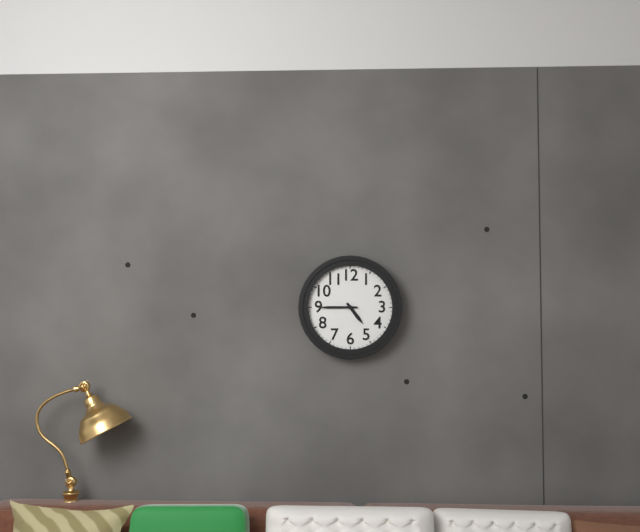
4:45
